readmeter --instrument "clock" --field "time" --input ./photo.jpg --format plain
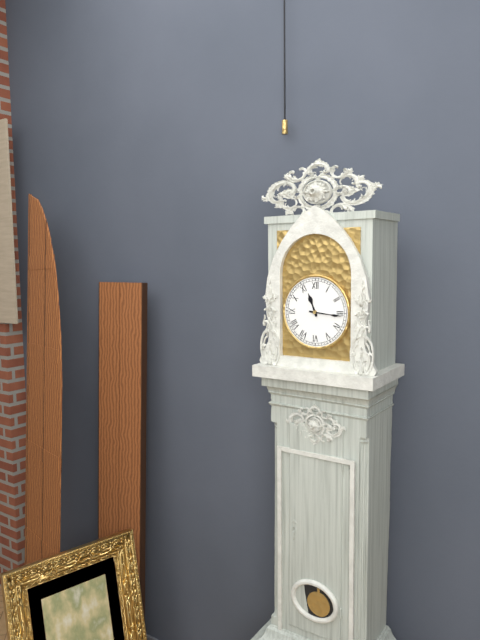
11:16
